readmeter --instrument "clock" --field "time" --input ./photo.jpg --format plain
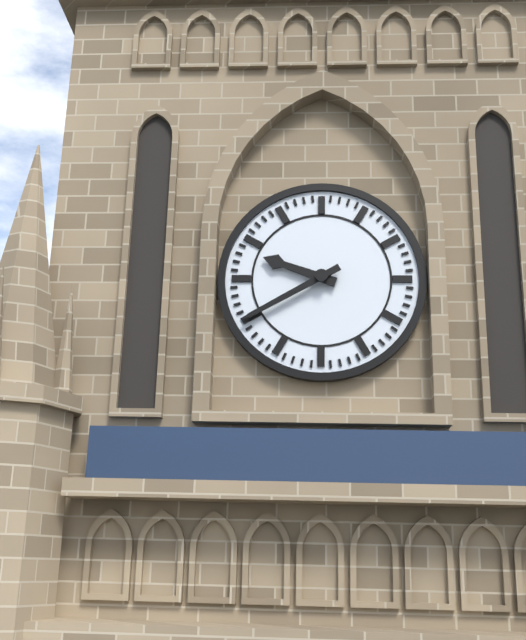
9:40
